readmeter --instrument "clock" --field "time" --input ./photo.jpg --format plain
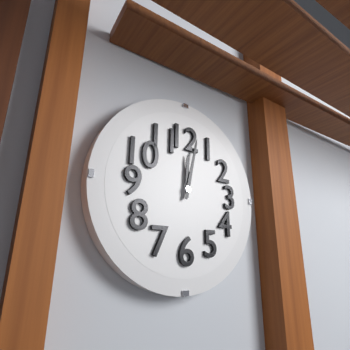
12:02
